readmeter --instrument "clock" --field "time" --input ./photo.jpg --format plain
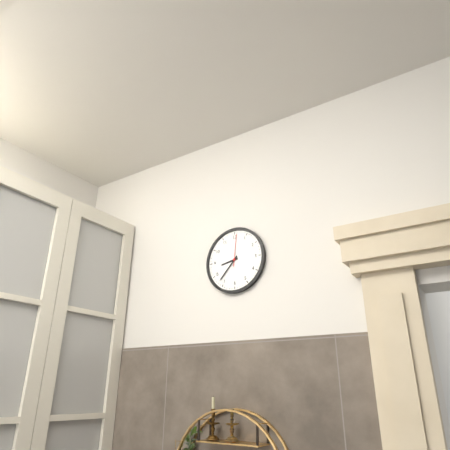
8:37
